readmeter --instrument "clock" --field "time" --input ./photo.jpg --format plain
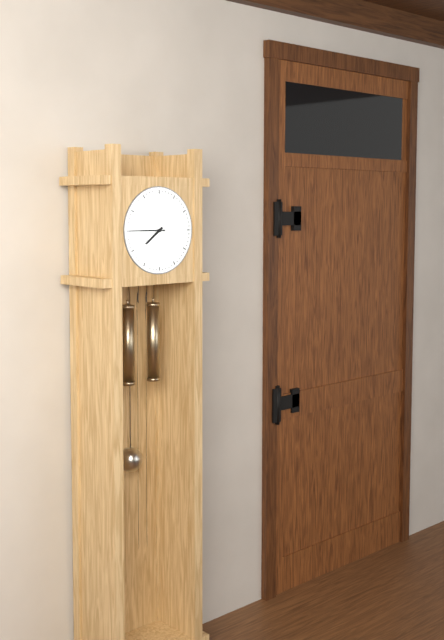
7:45
